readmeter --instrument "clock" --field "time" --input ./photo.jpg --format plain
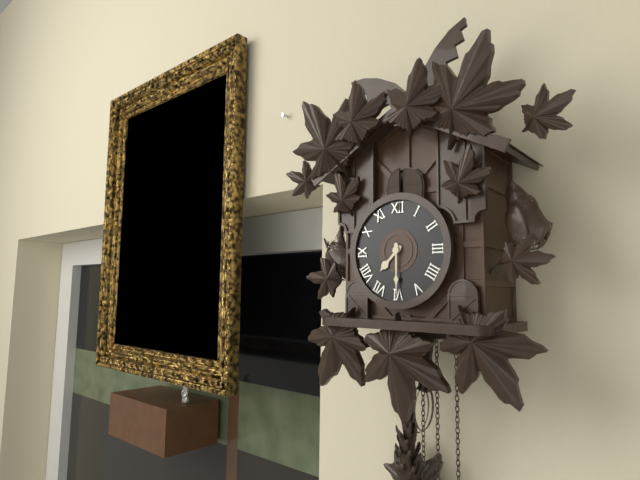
7:30
